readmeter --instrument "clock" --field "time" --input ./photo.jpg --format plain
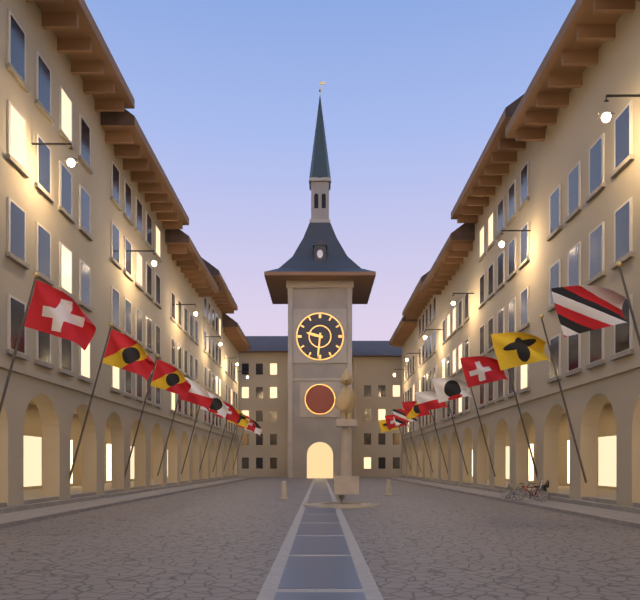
9:31
